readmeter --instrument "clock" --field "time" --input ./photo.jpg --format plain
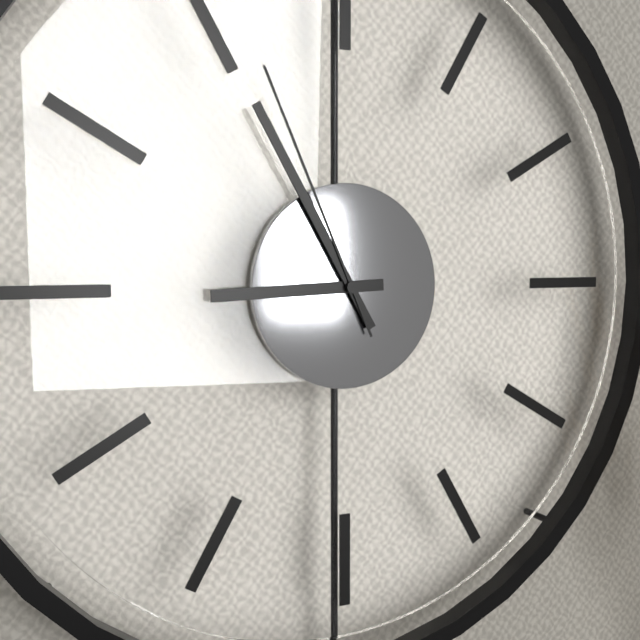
8:55:56
